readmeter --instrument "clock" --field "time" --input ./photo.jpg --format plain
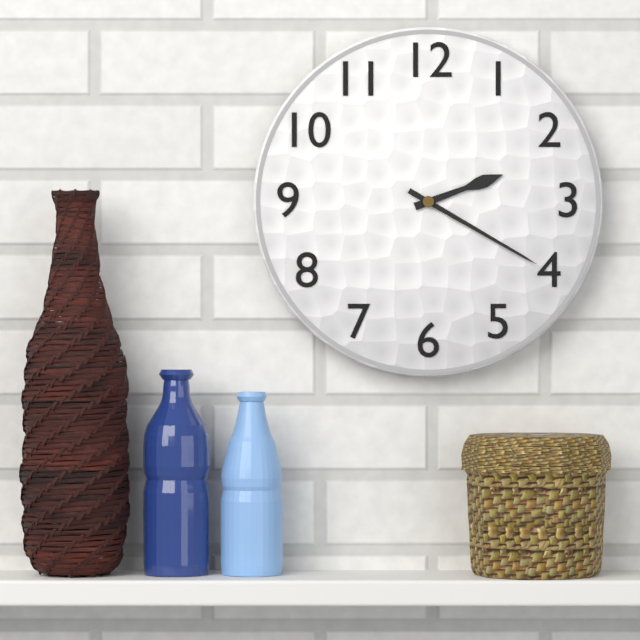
2:20
